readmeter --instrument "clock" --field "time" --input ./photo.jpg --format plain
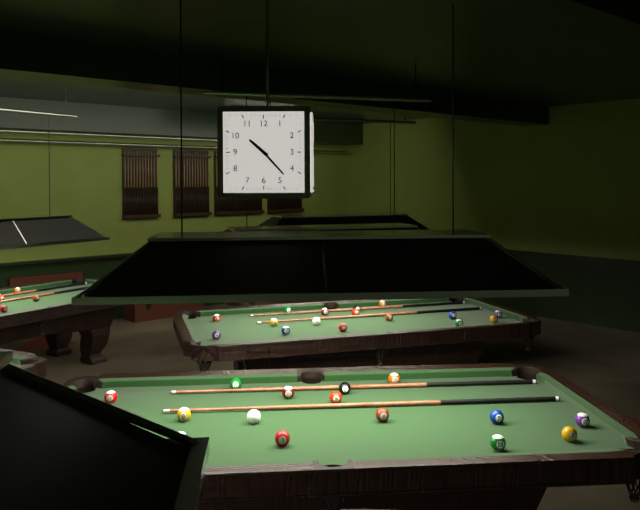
10:23
